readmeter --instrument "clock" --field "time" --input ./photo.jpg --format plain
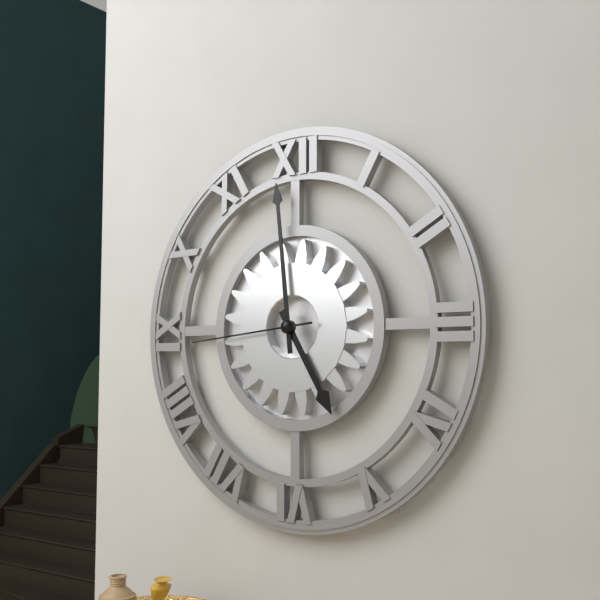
4:59:44
